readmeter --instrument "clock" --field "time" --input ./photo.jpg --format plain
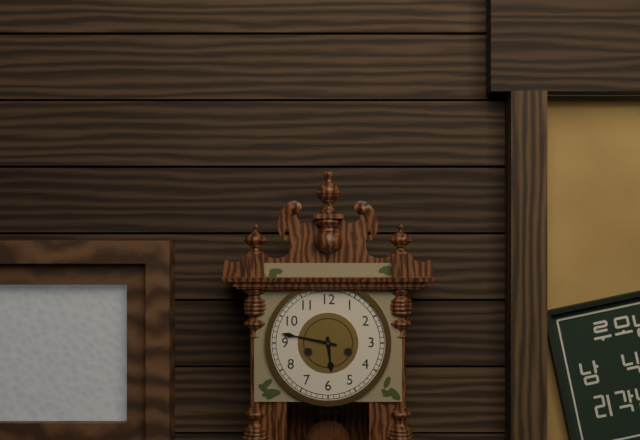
5:47
